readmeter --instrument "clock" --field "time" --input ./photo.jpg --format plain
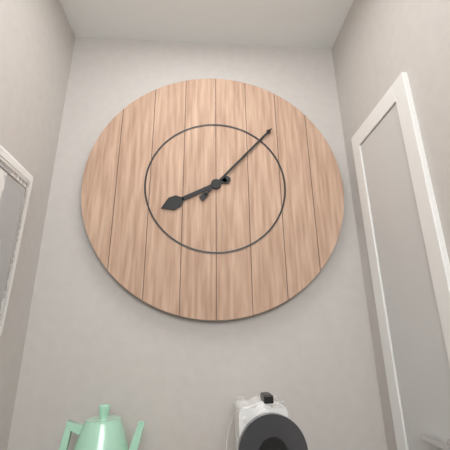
8:07
